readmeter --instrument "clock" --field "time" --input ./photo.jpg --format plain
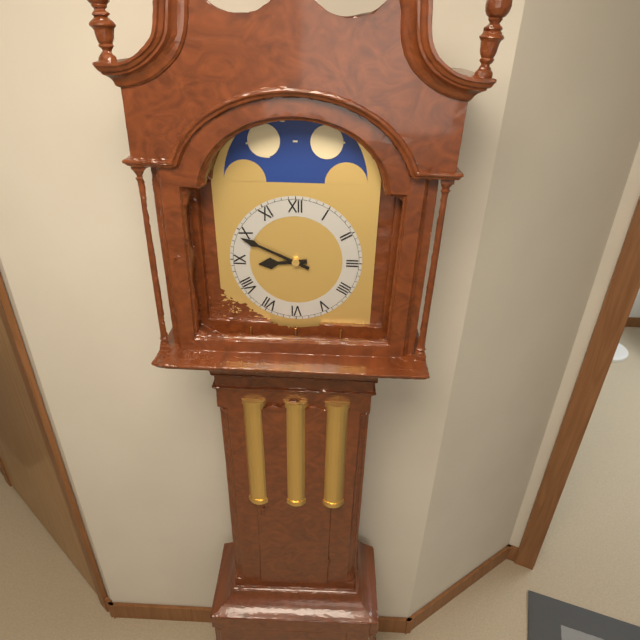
8:49
